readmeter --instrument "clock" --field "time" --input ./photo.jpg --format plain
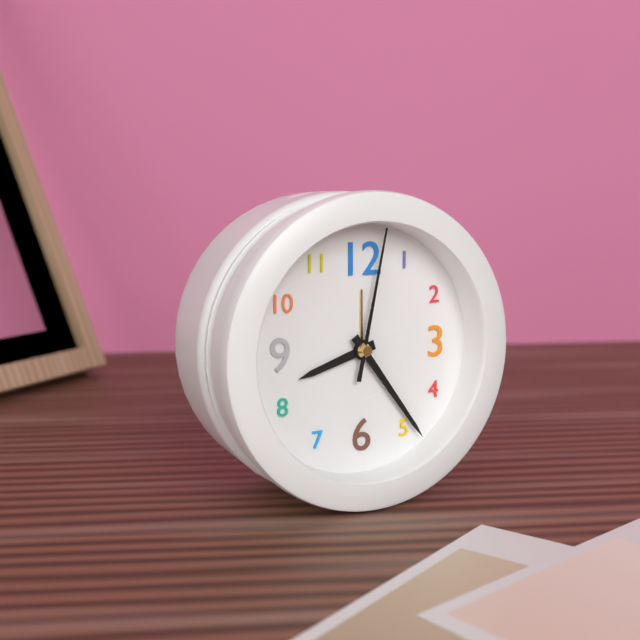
8:24:02
